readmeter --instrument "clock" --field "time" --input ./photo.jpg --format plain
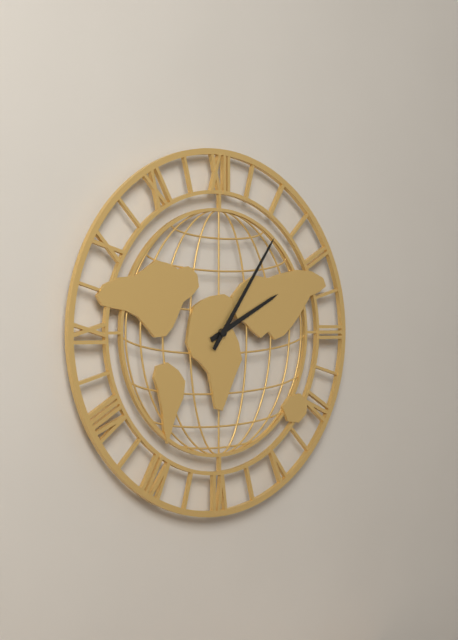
2:06
